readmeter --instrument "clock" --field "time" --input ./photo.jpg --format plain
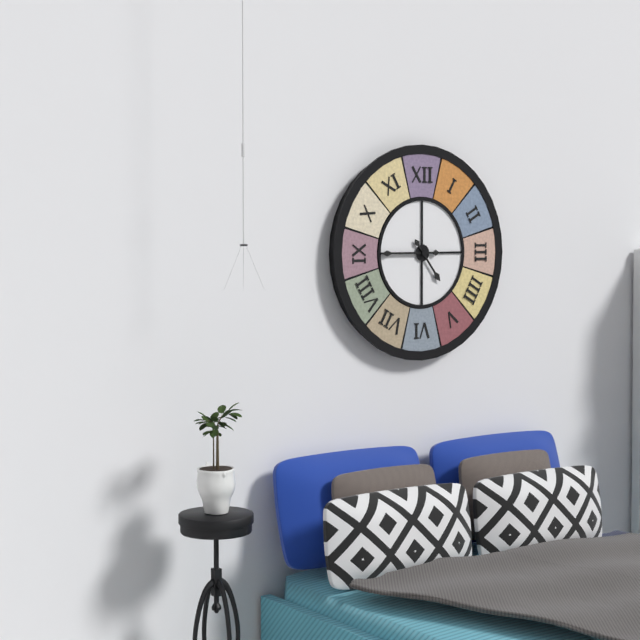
4:45
